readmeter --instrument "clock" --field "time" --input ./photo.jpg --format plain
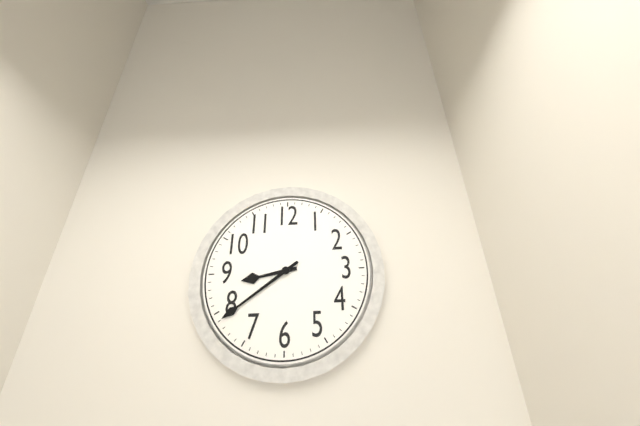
8:39
